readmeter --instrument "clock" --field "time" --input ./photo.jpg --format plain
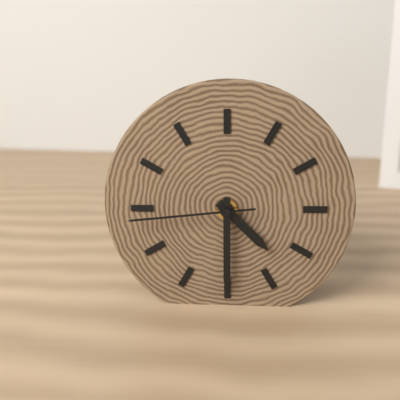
4:30:44
